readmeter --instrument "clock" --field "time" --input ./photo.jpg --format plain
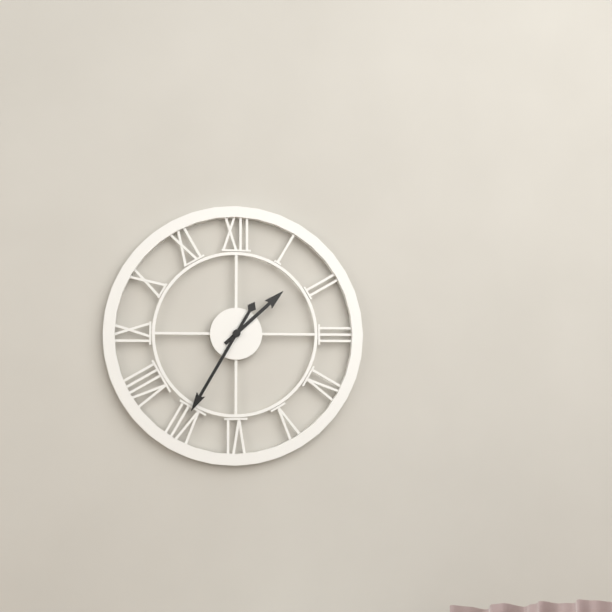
1:35
